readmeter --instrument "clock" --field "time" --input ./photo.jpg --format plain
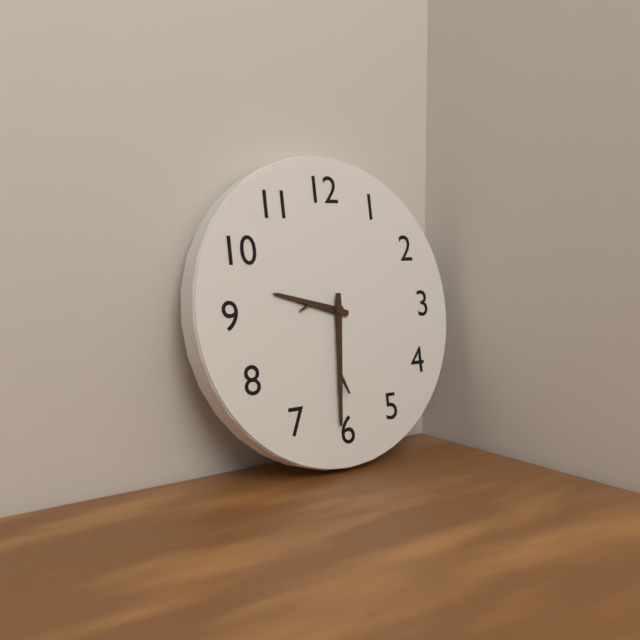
9:31
